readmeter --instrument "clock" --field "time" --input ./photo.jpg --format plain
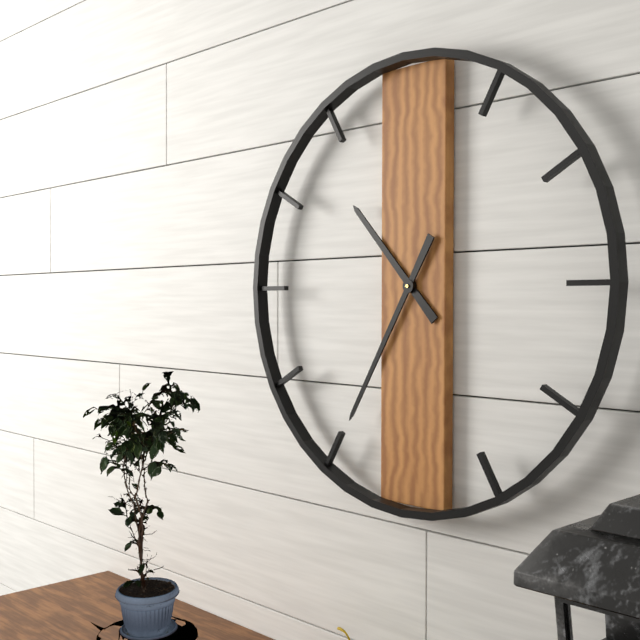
10:35
